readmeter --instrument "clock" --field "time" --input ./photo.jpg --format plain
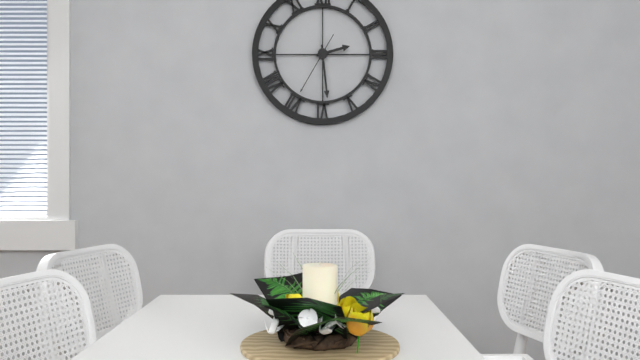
2:29:35
